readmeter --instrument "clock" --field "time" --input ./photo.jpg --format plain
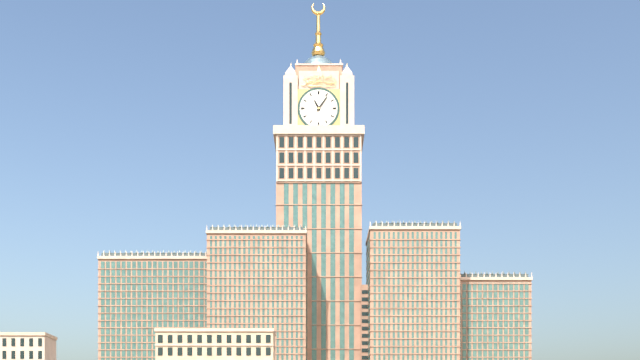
11:06
